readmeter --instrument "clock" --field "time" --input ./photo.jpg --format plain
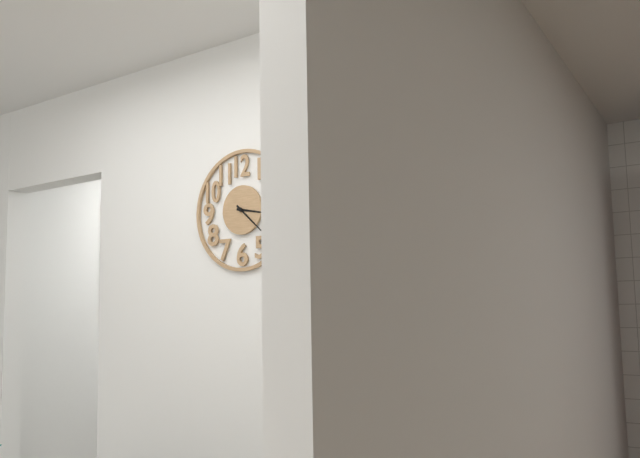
3:22
